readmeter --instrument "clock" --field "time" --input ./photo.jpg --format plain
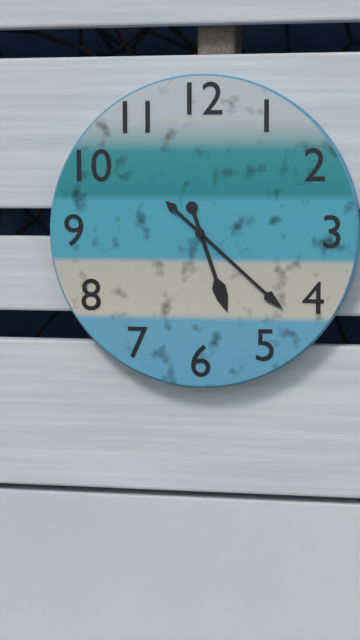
5:22
